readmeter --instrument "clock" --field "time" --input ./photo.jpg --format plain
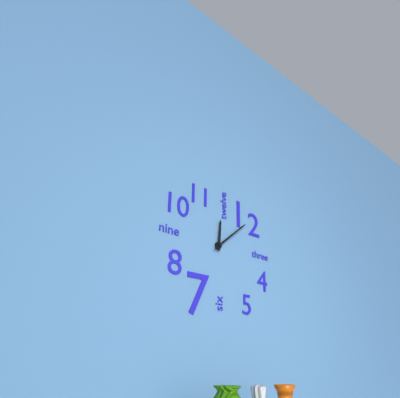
12:08
